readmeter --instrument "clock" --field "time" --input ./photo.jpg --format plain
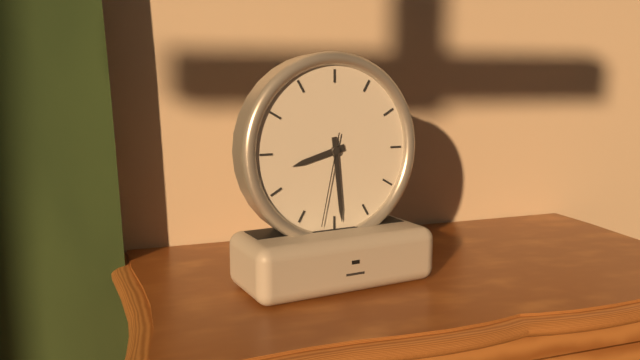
8:29:32
